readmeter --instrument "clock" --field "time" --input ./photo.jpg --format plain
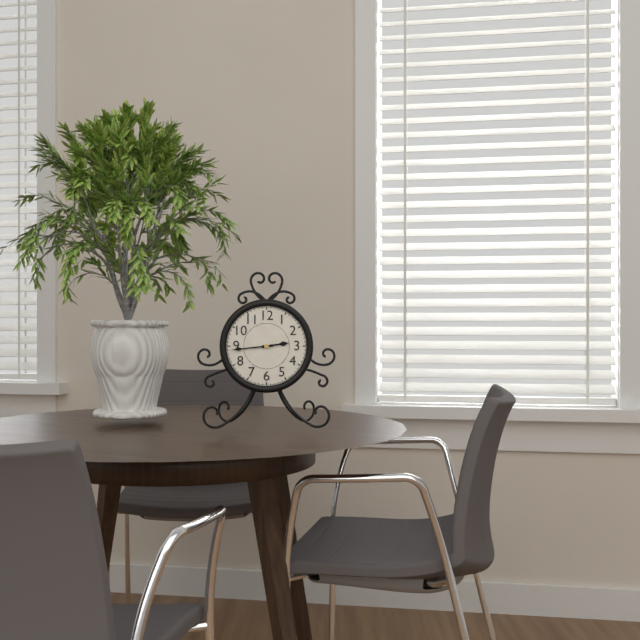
2:44
